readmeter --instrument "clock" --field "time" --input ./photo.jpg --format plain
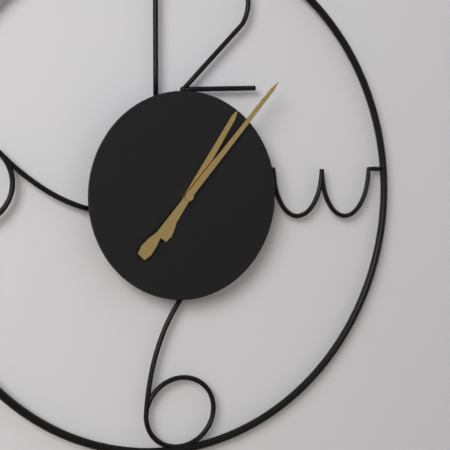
1:07
